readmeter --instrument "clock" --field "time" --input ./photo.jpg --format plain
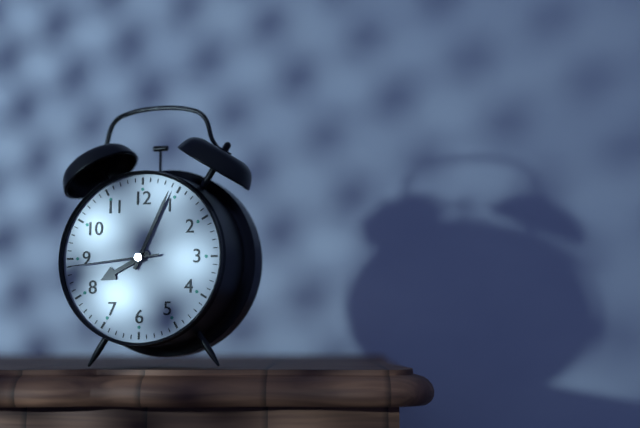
8:04:44
